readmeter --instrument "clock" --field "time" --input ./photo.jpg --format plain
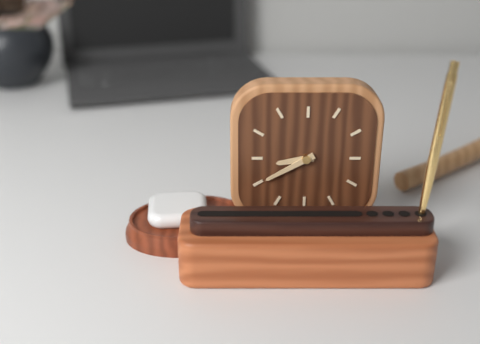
8:40
